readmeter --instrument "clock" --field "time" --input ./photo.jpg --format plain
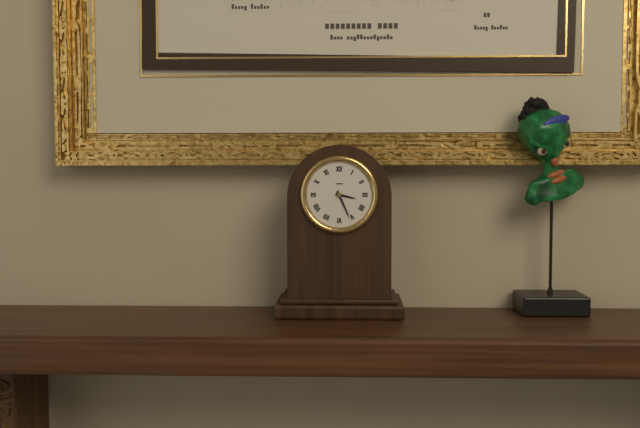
3:26
